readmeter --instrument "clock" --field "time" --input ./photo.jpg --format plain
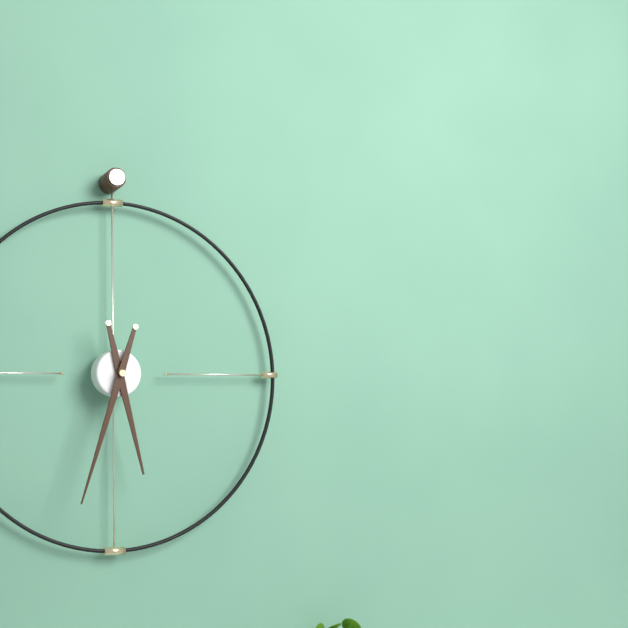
5:33
